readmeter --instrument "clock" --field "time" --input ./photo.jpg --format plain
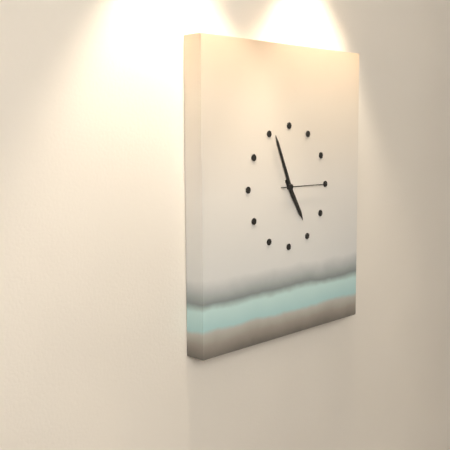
4:56
